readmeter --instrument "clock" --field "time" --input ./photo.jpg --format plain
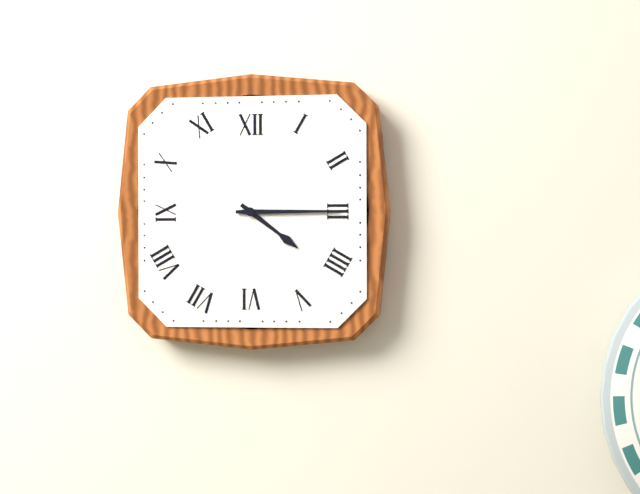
4:15
